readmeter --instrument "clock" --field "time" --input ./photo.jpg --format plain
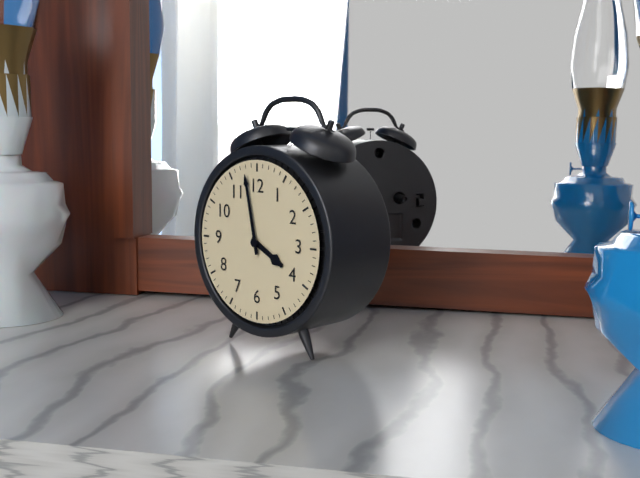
3:58
